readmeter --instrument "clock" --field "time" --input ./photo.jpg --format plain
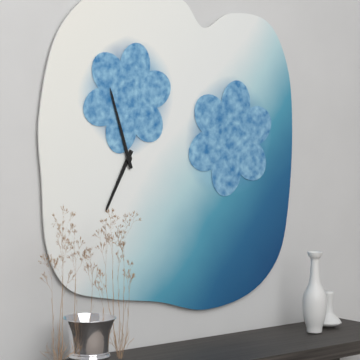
6:57
